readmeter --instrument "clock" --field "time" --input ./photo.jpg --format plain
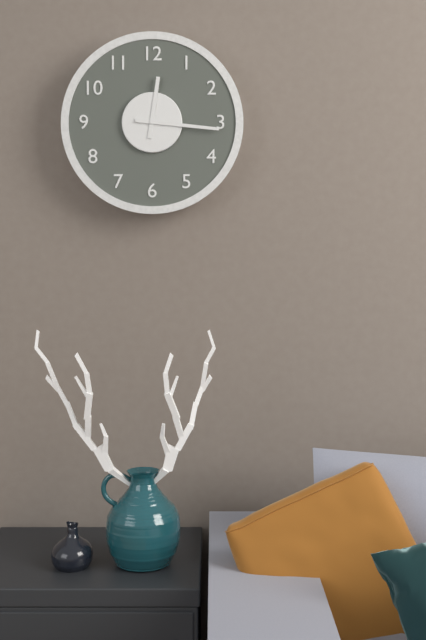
12:16
